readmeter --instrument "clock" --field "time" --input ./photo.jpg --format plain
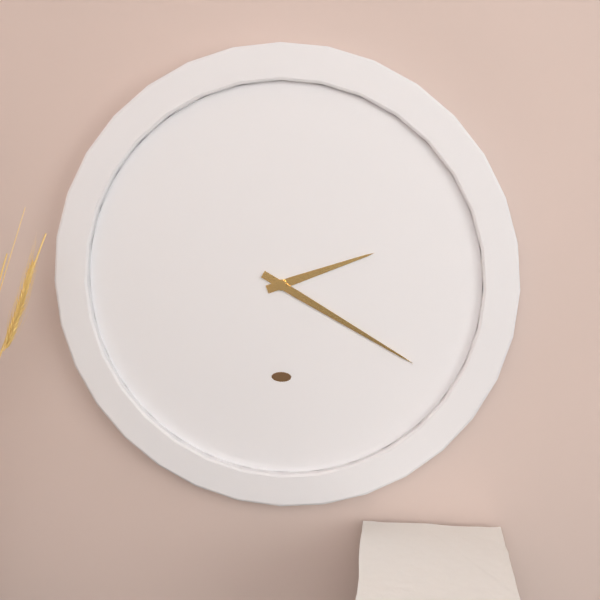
2:20
